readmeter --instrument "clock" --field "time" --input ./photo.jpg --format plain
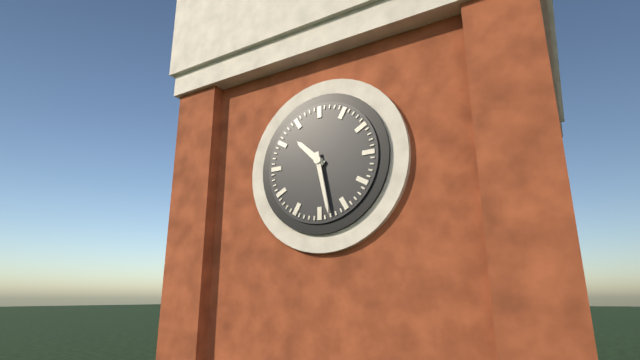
10:28
